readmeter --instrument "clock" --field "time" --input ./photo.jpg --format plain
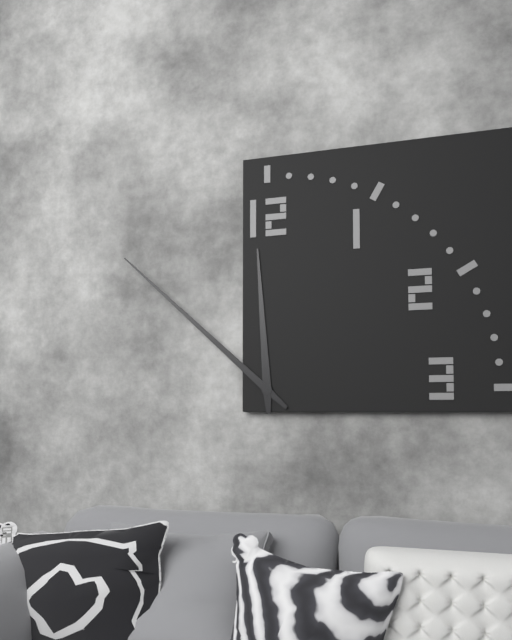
11:52
